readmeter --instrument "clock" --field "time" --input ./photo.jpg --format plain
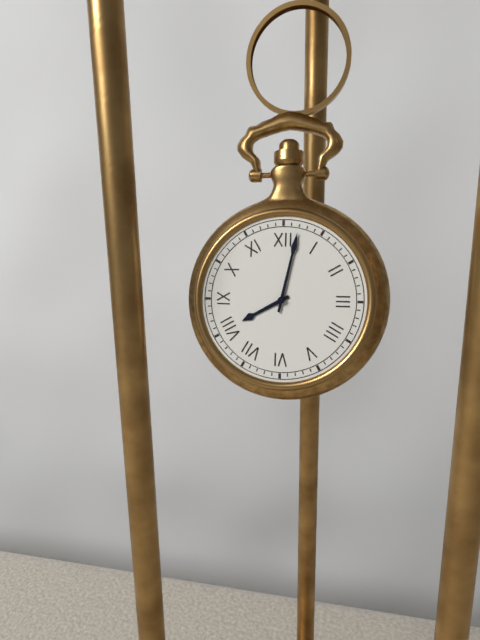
8:02
